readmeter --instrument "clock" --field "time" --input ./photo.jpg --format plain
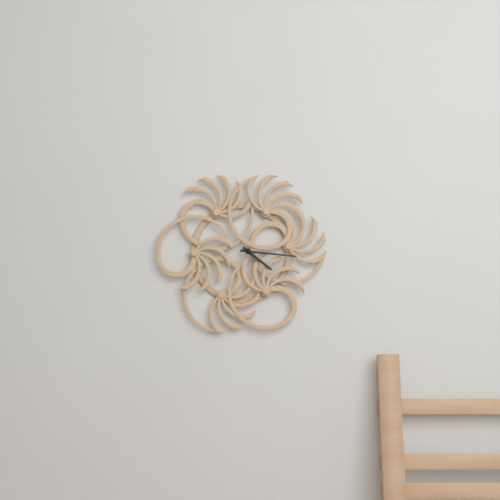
4:16
